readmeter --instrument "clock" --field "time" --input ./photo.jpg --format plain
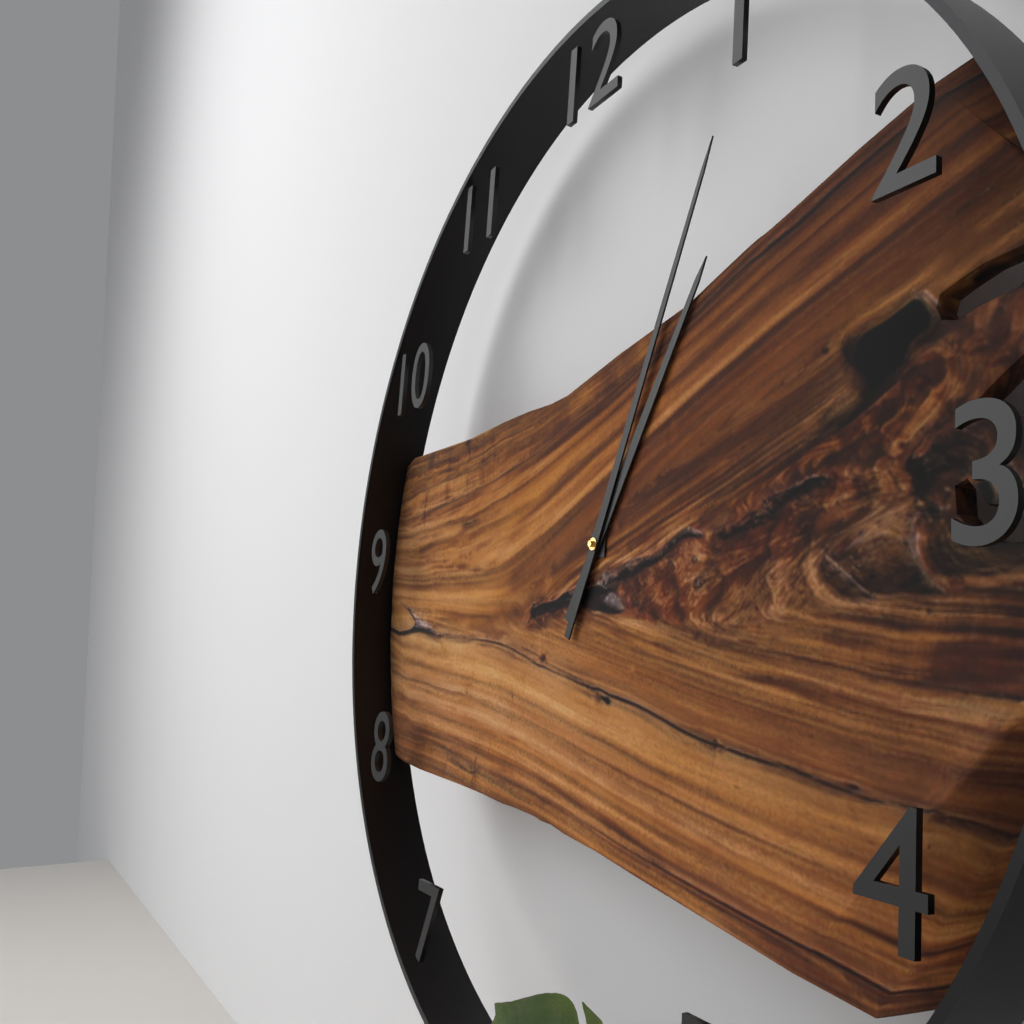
1:04
